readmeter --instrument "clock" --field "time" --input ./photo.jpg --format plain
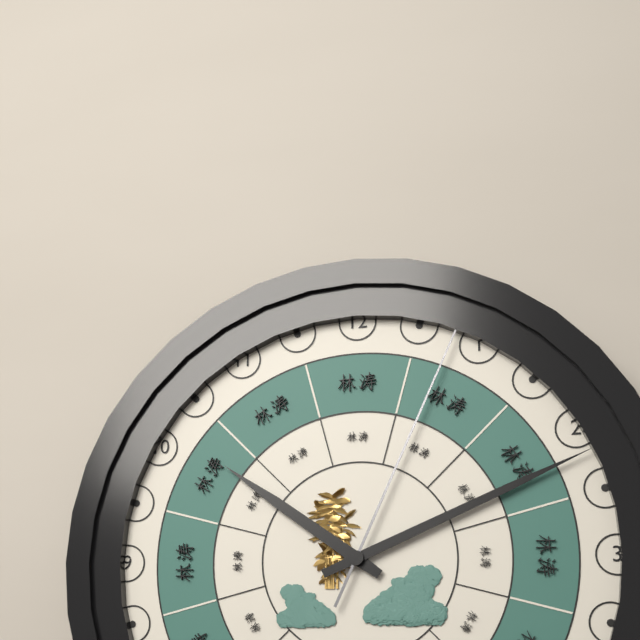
10:11:04
